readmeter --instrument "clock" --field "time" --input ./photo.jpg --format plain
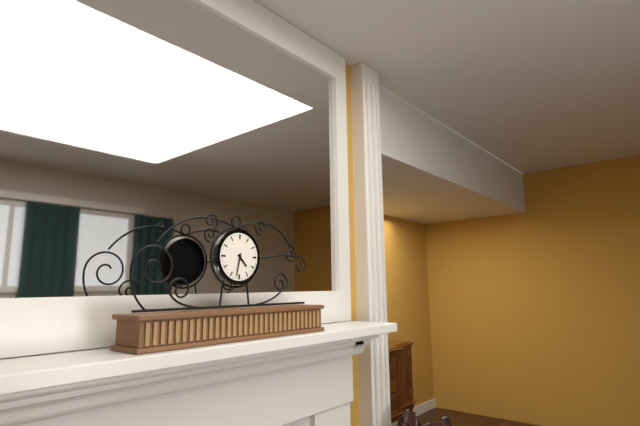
4:32
